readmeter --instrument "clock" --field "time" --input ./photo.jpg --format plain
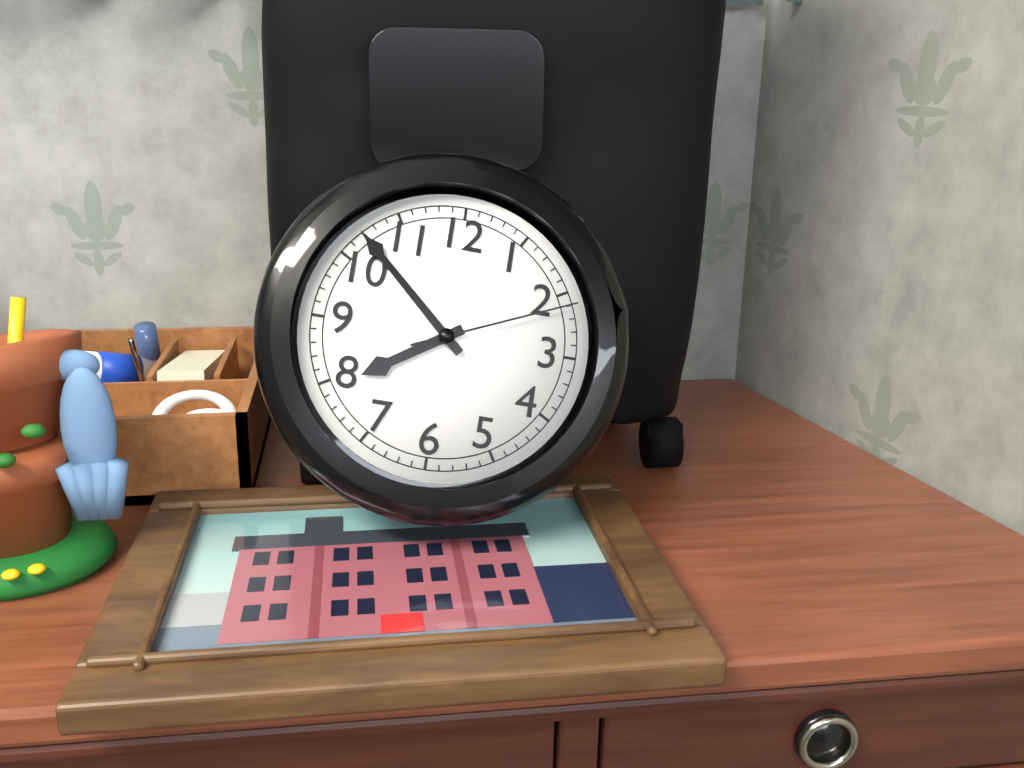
7:52:11
